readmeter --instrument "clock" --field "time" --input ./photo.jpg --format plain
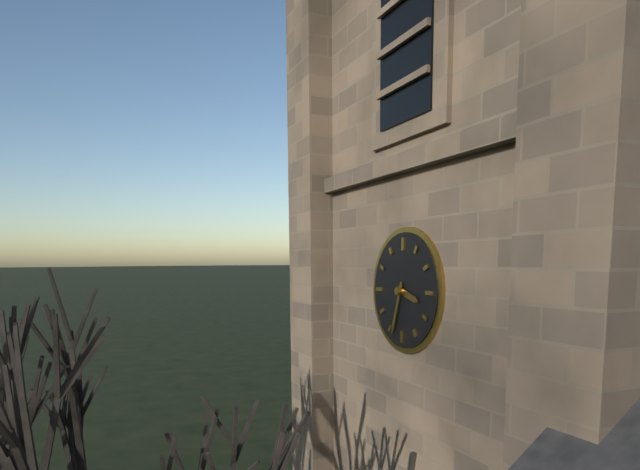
3:33
